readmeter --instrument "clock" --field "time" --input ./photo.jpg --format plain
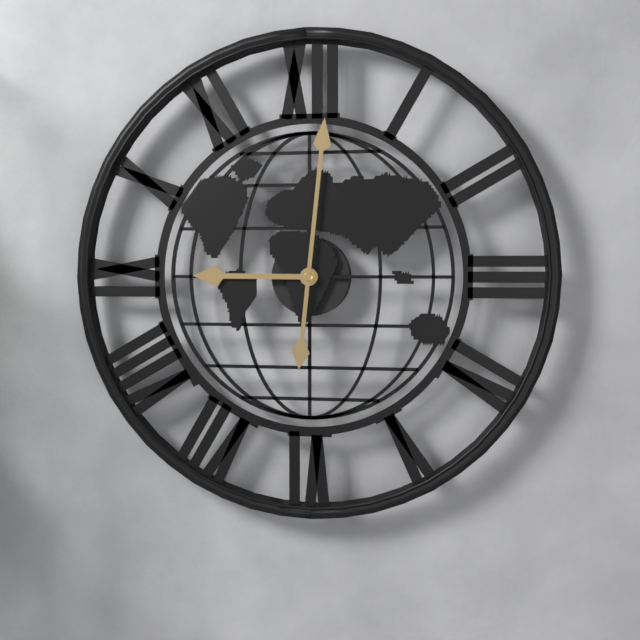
9:01
